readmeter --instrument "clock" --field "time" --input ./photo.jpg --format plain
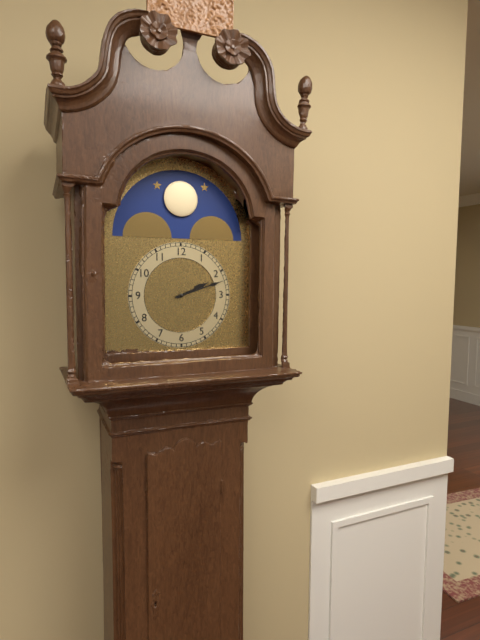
2:12
